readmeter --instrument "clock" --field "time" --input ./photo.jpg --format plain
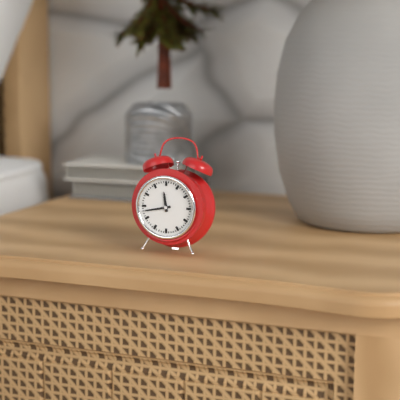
11:43
